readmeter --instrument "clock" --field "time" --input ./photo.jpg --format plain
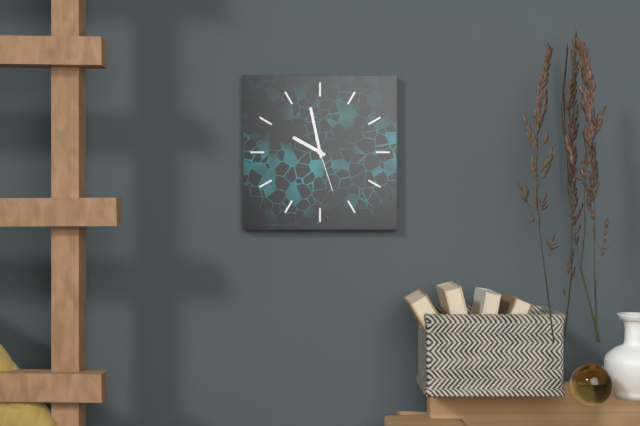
9:58:27
